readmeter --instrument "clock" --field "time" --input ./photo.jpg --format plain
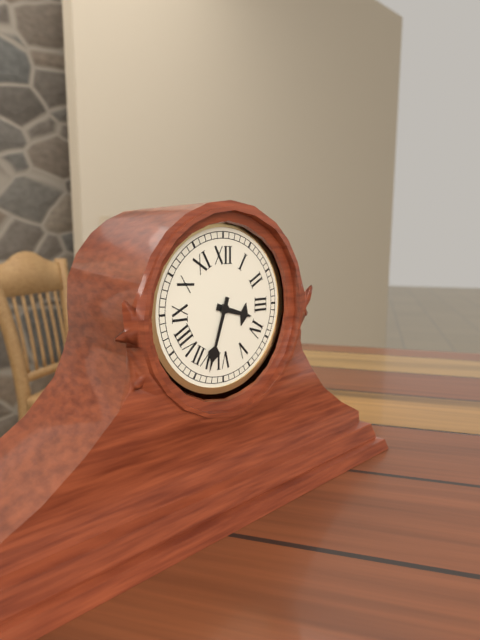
3:33
